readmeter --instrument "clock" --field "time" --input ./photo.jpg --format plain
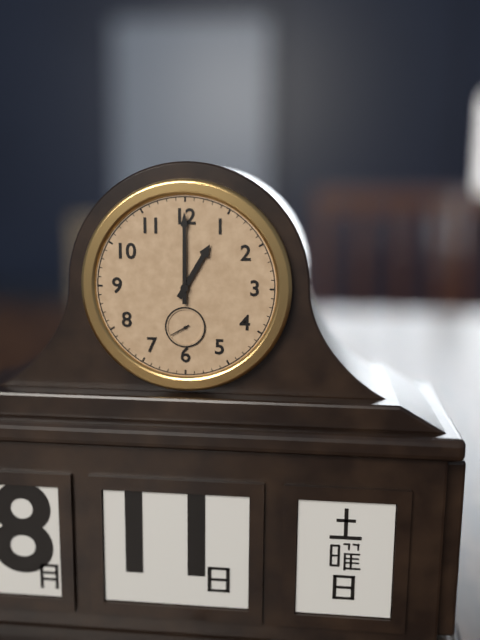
1:00
